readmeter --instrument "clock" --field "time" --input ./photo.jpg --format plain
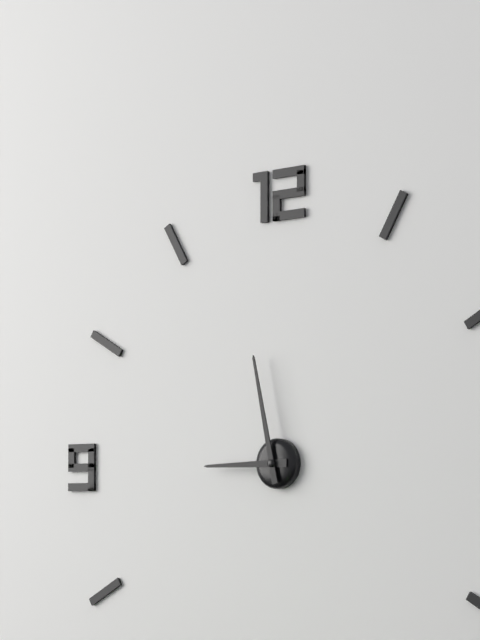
8:58
